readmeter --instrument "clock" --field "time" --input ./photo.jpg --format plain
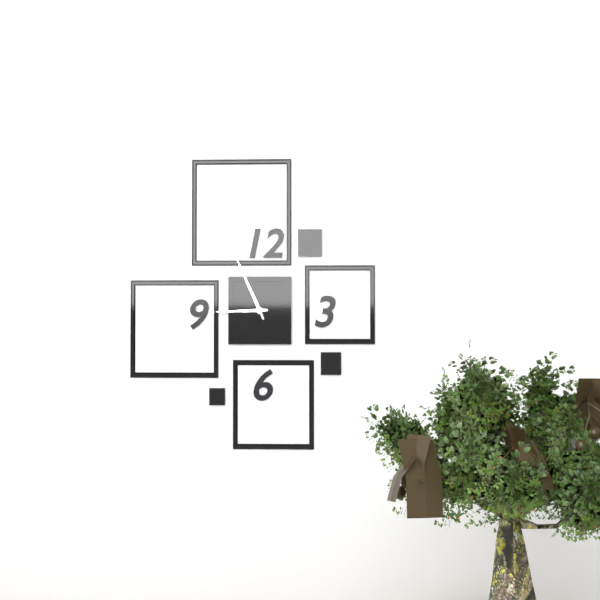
8:56
